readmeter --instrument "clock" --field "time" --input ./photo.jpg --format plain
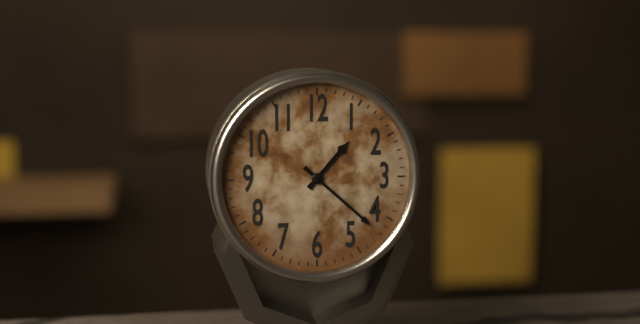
1:22
